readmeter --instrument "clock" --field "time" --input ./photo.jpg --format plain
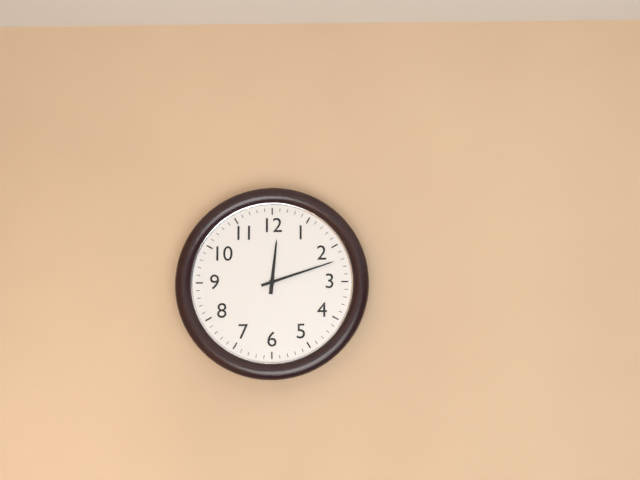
12:12
